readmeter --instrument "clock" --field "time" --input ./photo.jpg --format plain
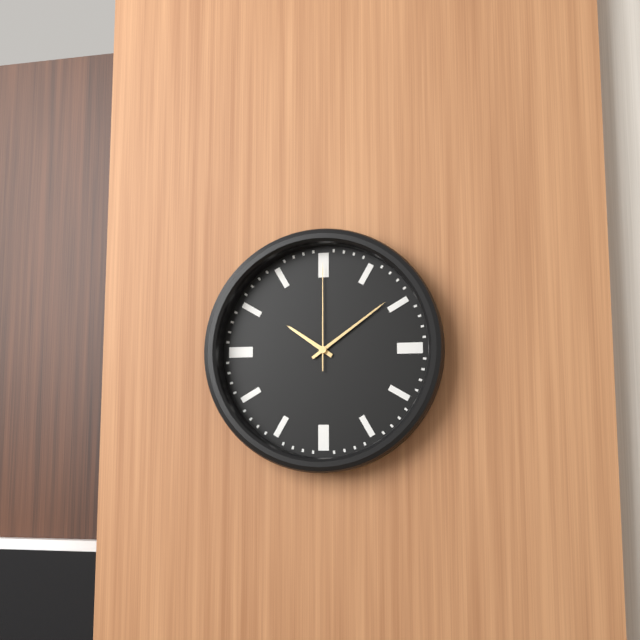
10:09:00
